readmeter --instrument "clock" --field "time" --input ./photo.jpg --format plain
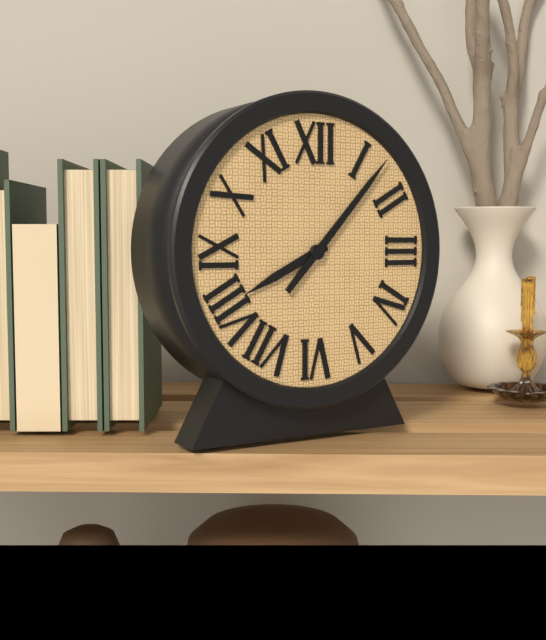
8:07
